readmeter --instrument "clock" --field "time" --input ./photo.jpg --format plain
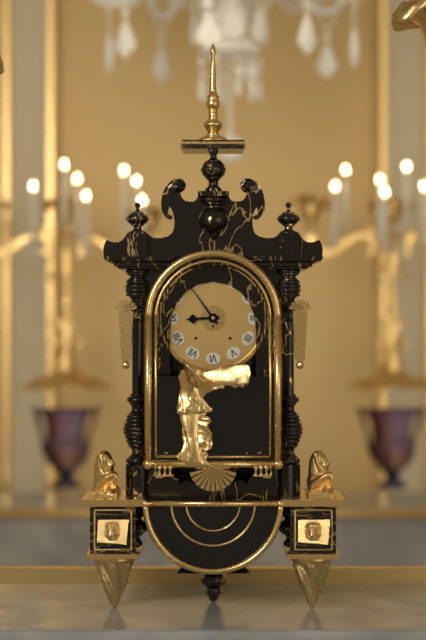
8:54
